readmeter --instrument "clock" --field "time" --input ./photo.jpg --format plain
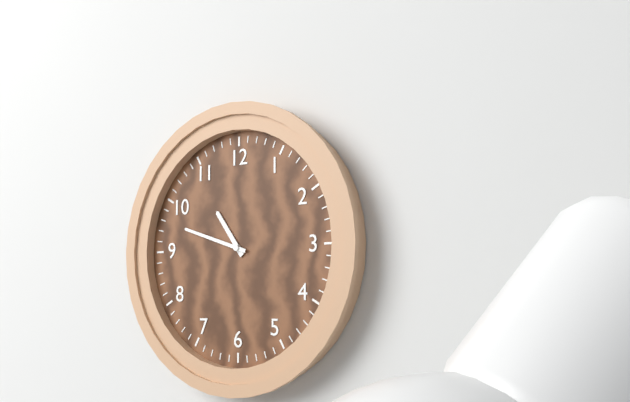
10:48
